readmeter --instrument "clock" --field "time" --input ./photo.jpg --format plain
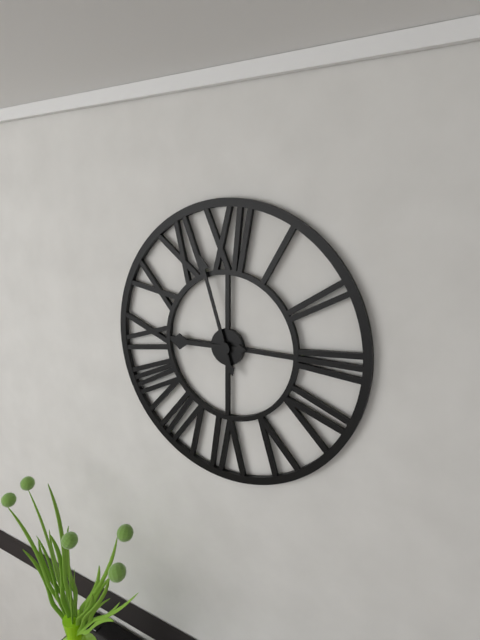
8:57
